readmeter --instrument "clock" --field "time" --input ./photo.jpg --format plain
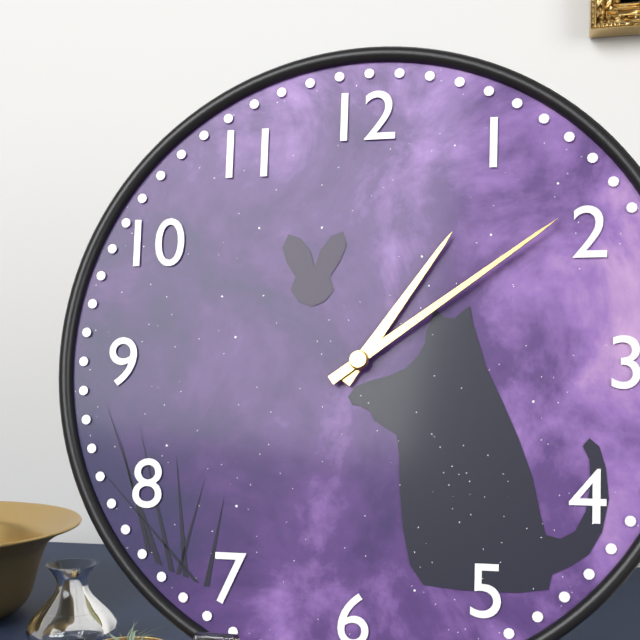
1:09
